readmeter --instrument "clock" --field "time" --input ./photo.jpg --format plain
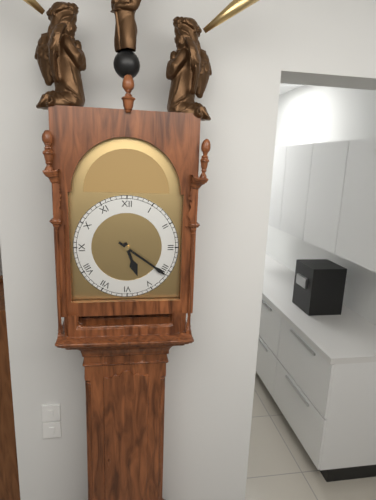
5:21
